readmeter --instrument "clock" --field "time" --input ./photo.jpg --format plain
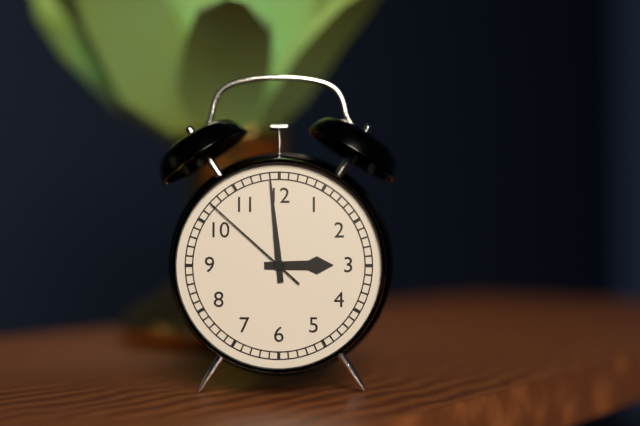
2:59:52
